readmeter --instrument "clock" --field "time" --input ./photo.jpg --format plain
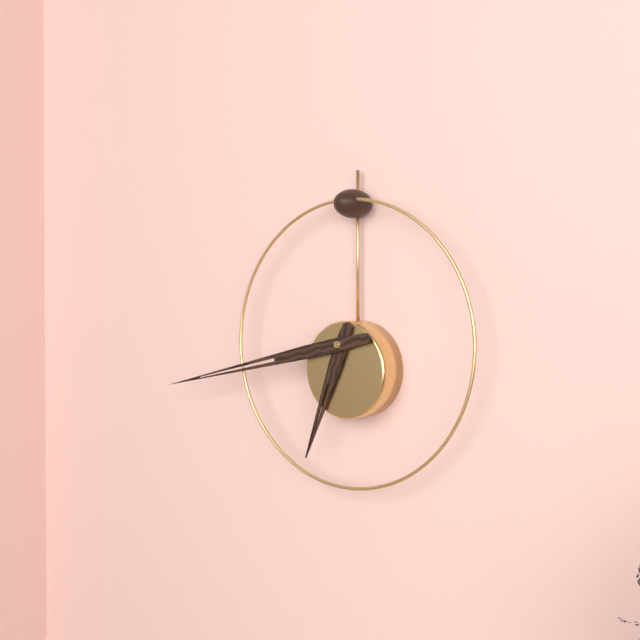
6:43
